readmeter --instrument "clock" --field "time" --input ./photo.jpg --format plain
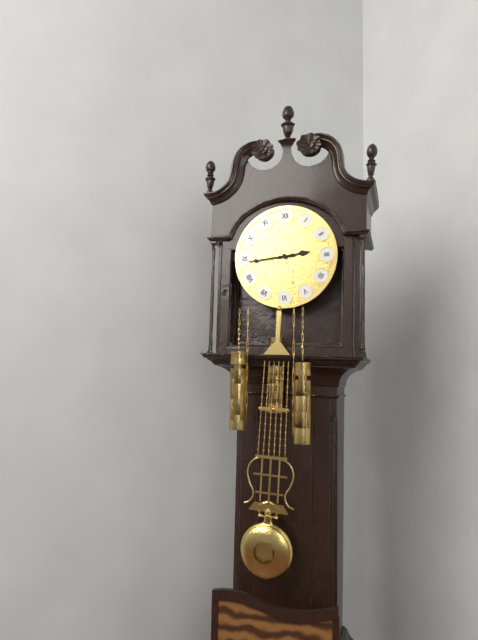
2:44
